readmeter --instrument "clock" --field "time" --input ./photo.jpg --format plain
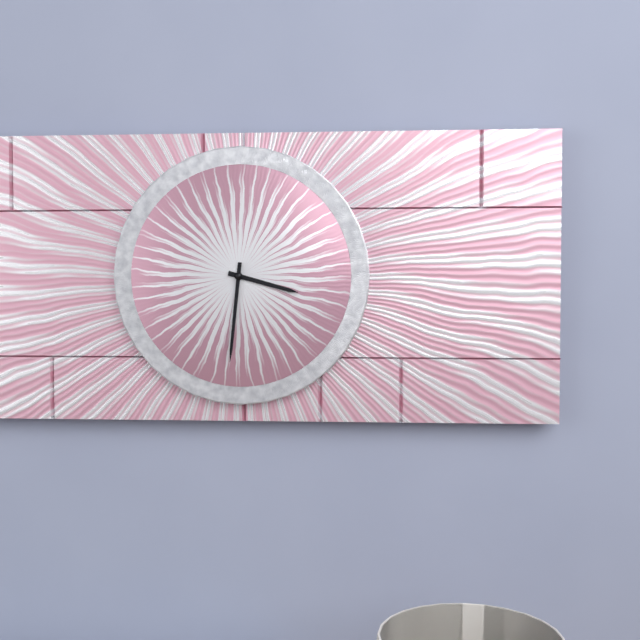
3:31
